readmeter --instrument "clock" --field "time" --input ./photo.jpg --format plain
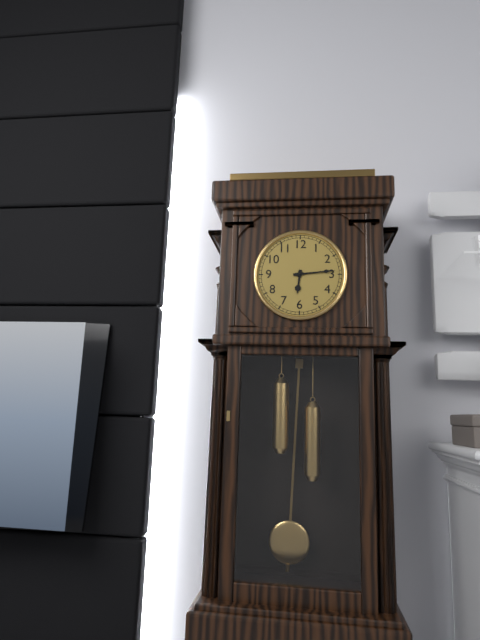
6:14
